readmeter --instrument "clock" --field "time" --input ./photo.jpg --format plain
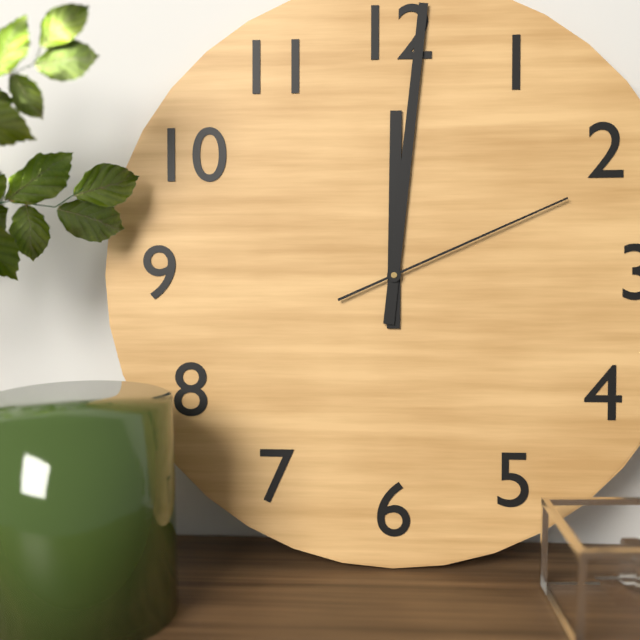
12:01:11
